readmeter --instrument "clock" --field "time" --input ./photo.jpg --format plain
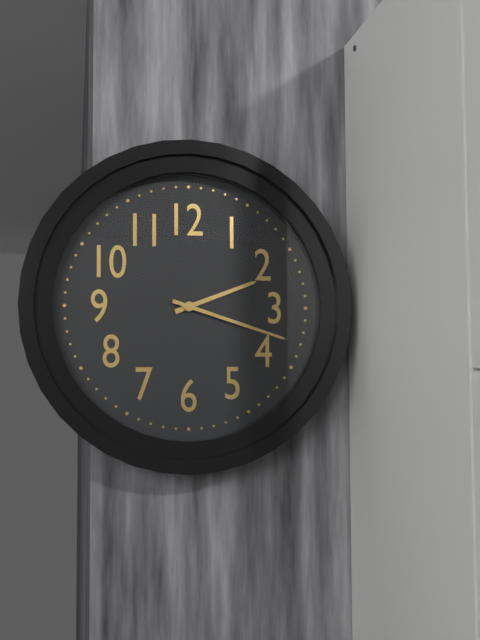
2:18
